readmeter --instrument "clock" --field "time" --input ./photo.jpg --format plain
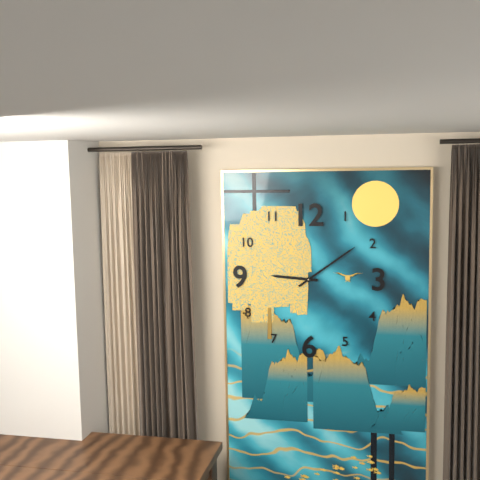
9:09
